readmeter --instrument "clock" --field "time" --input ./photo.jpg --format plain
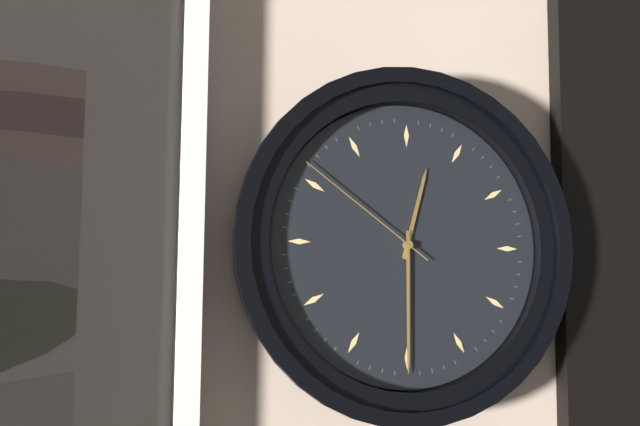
12:30:51
